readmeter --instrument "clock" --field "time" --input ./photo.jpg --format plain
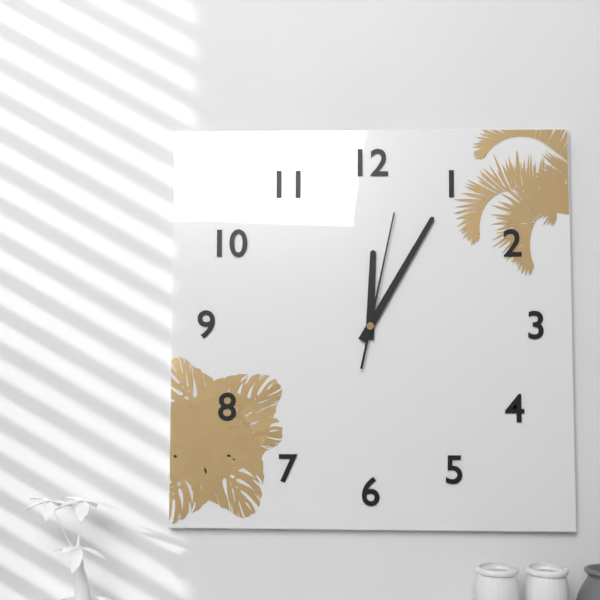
12:05:02
